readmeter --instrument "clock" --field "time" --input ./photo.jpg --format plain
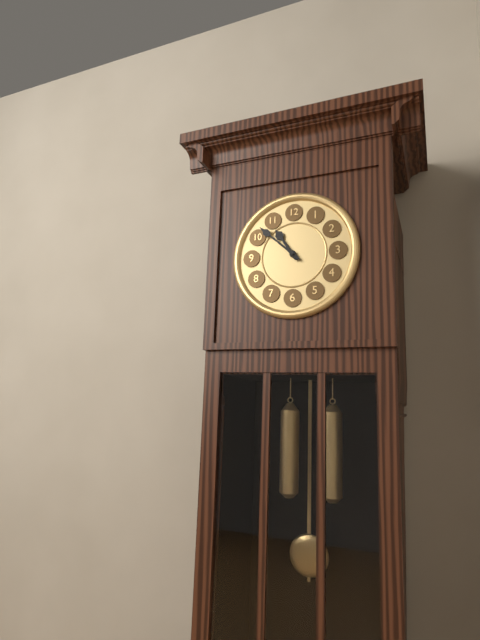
10:52
